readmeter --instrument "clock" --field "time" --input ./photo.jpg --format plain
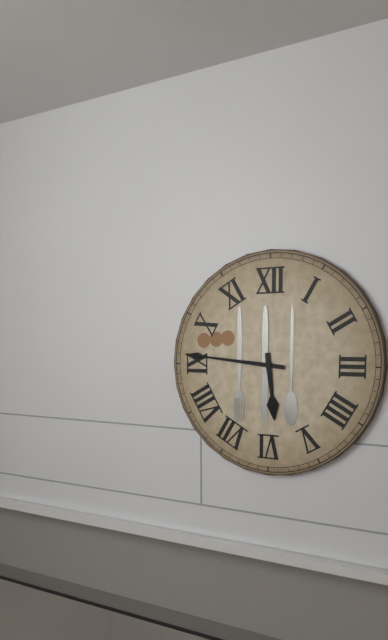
5:46
